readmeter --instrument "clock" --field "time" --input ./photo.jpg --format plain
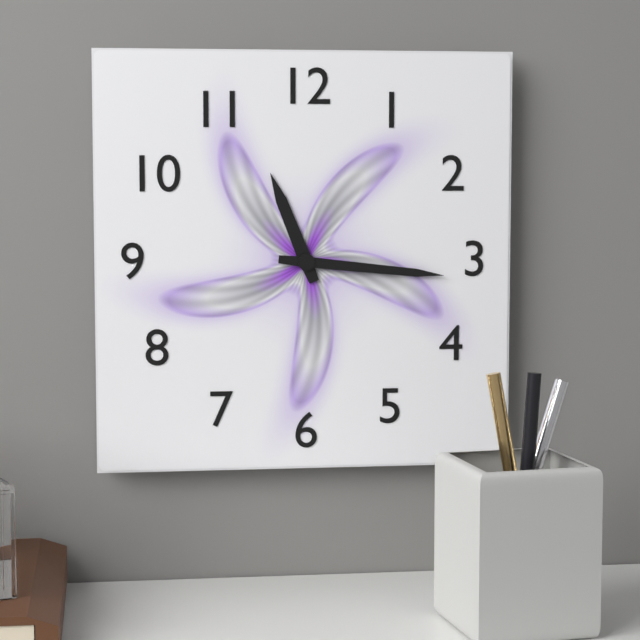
11:16
